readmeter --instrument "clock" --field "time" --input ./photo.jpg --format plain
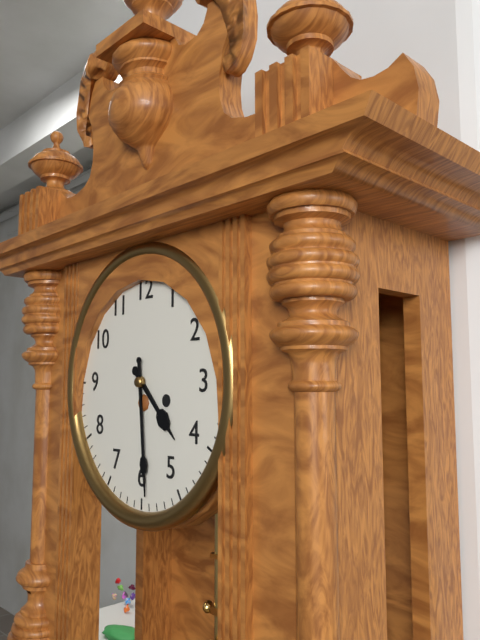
4:29
